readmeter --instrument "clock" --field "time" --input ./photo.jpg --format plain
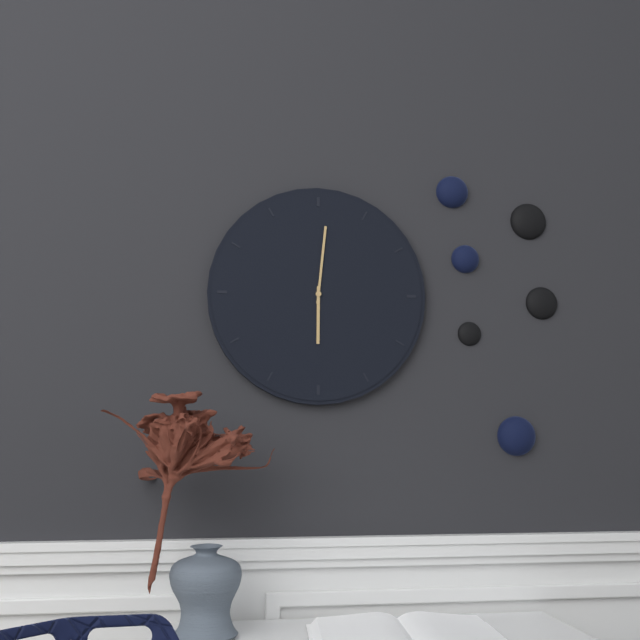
6:01
